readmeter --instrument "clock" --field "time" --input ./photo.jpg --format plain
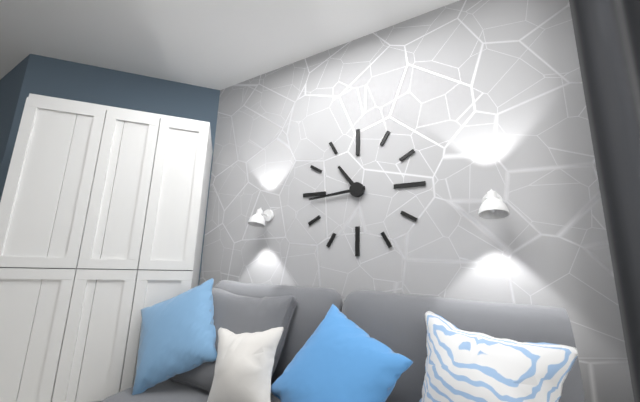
10:44
